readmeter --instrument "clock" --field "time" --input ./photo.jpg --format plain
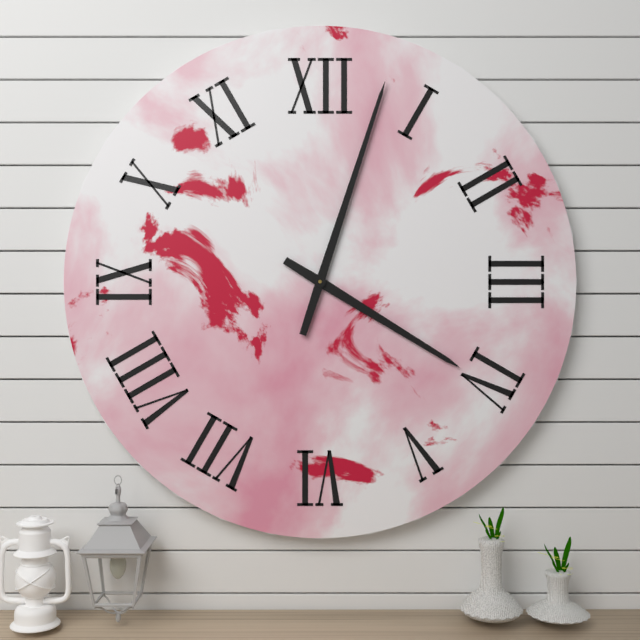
4:03
